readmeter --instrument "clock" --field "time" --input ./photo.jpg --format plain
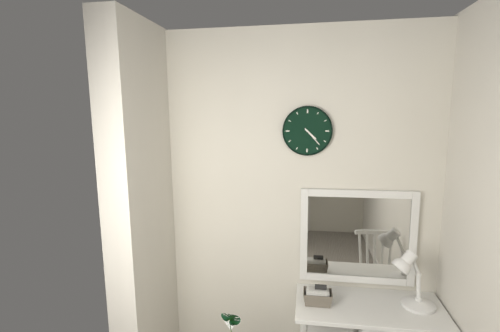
4:23
